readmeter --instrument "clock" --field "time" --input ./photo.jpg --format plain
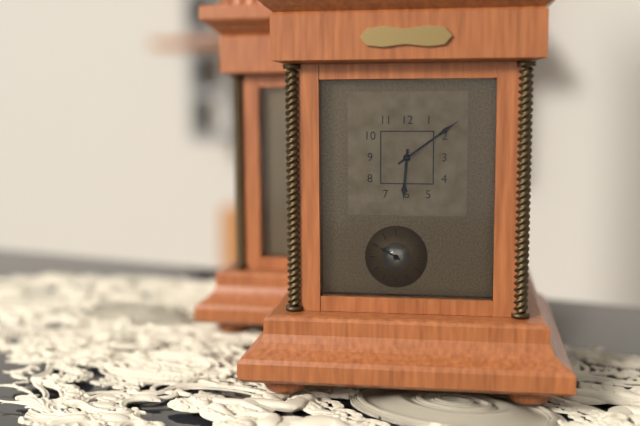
6:09
